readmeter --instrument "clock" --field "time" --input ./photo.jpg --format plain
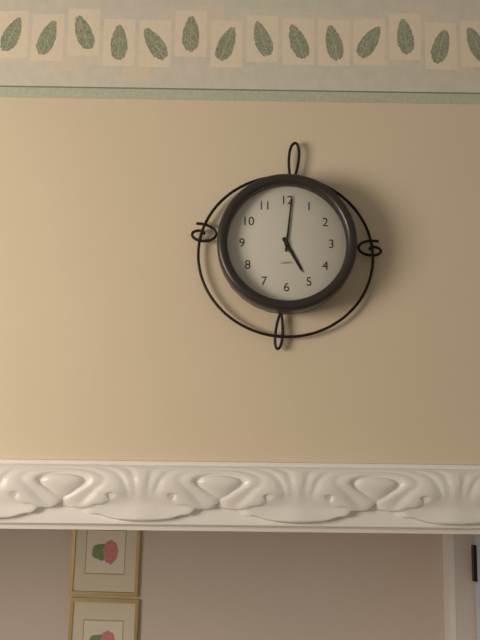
5:01
